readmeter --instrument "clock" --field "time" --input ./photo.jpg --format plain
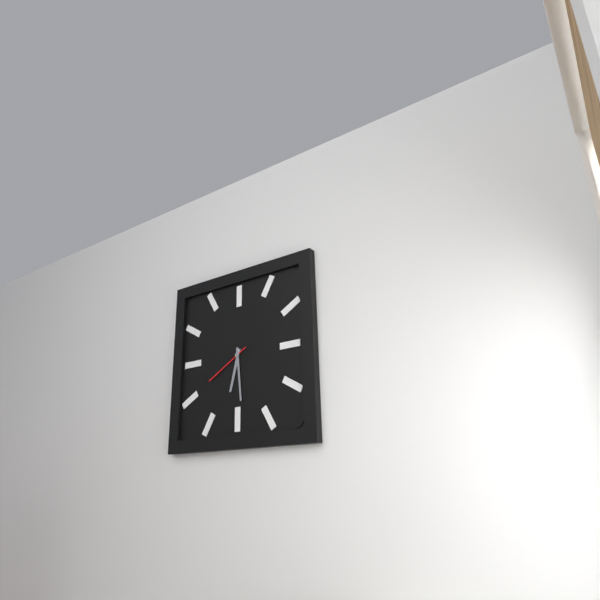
6:29
